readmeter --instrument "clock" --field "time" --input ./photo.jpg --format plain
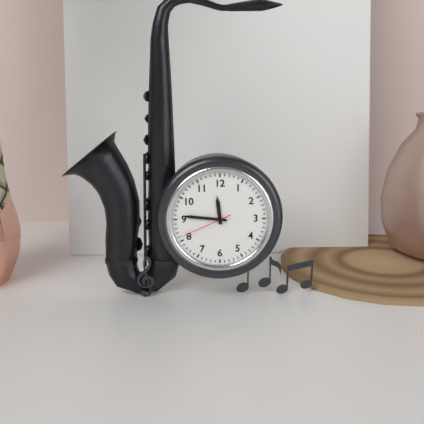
11:46:41
